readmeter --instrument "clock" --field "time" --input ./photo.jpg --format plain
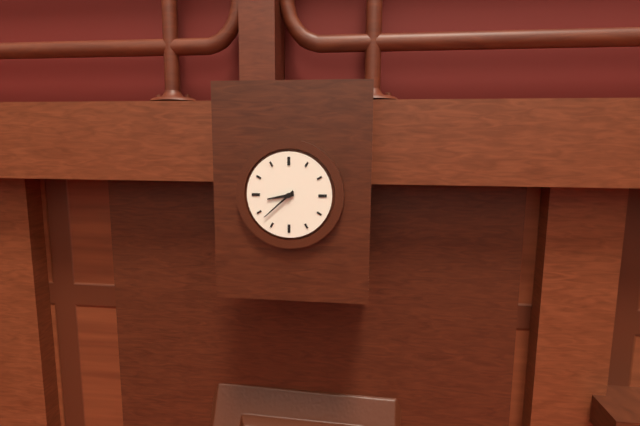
8:38
